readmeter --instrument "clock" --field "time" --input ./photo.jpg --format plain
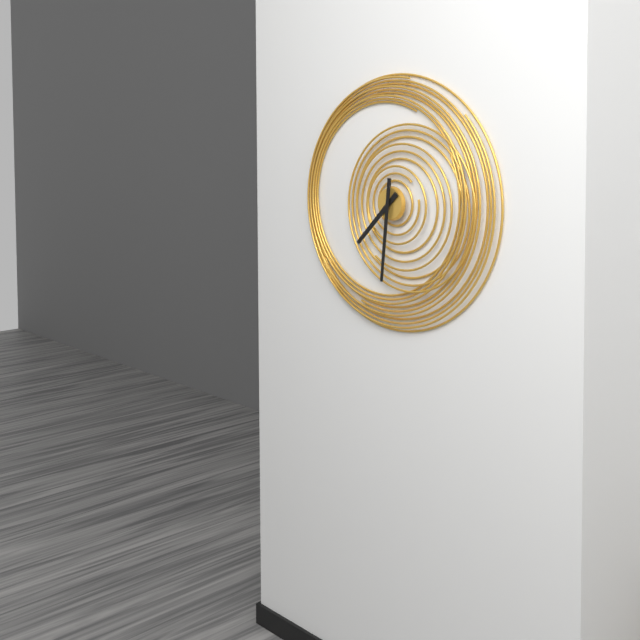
7:31
